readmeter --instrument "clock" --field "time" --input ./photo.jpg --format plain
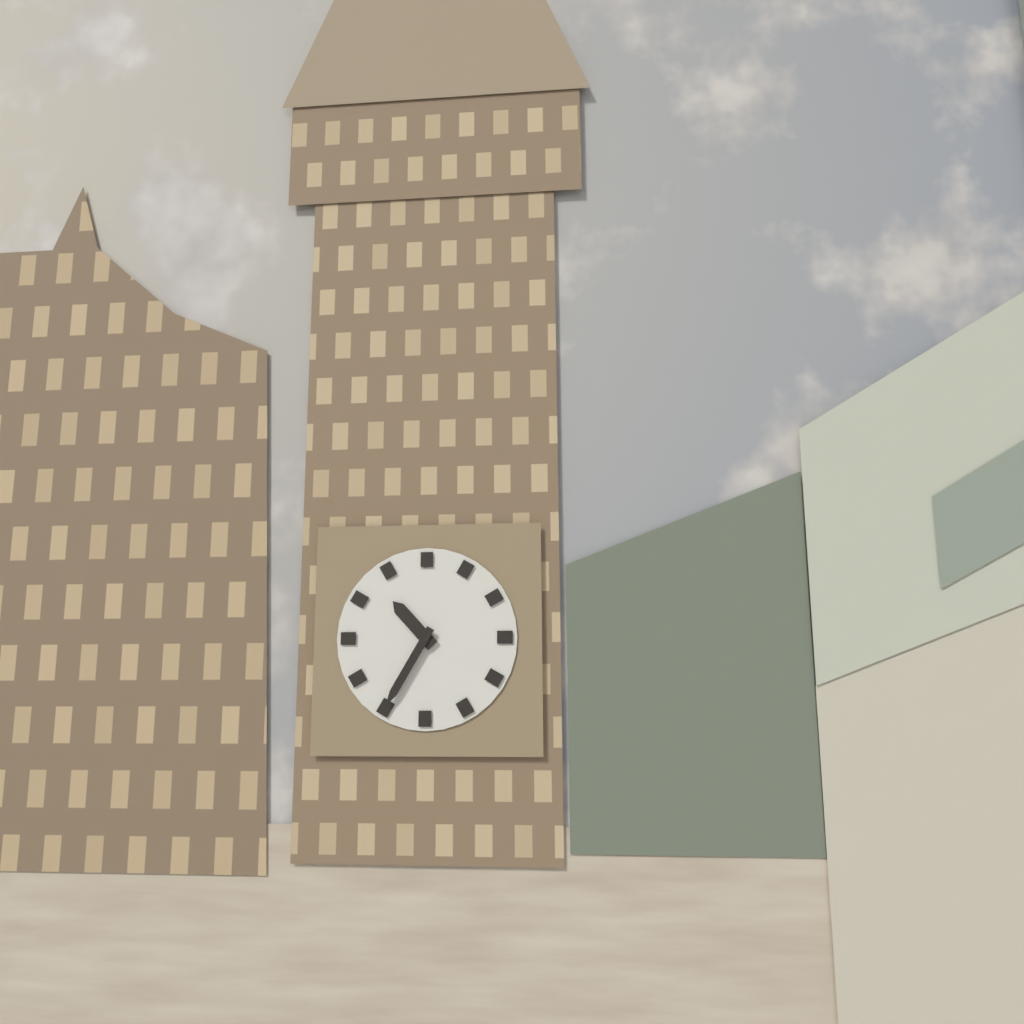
10:35
